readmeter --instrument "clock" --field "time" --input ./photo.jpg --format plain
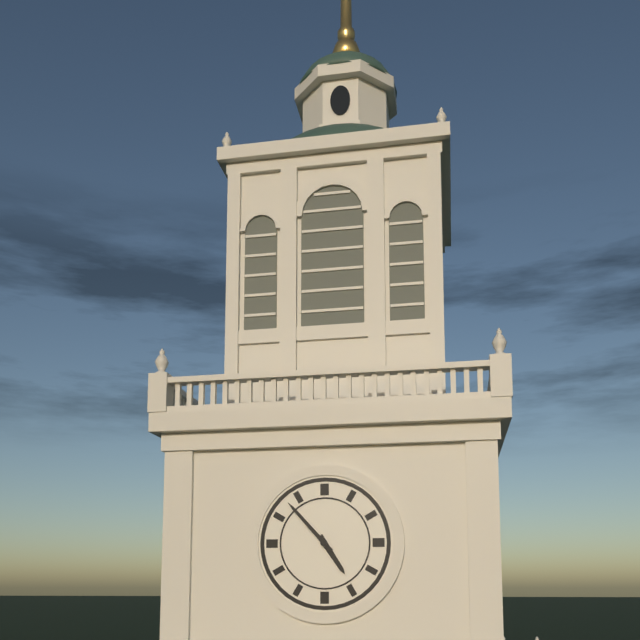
4:53
